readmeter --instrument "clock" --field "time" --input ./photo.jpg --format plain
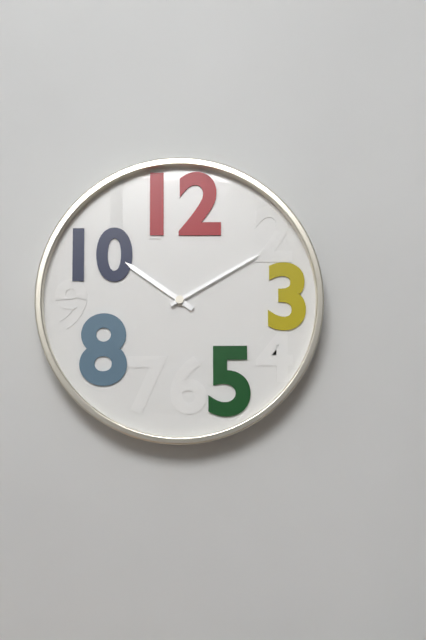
10:10
